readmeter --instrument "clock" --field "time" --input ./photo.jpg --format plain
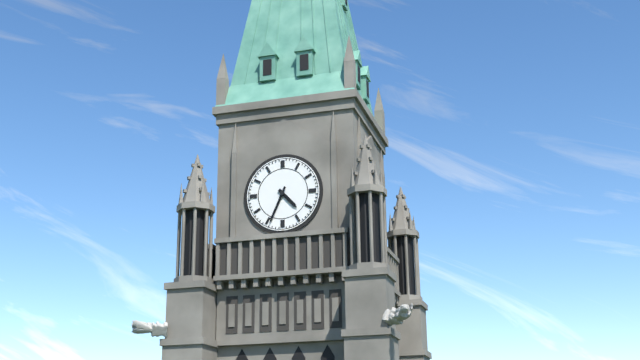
4:34
